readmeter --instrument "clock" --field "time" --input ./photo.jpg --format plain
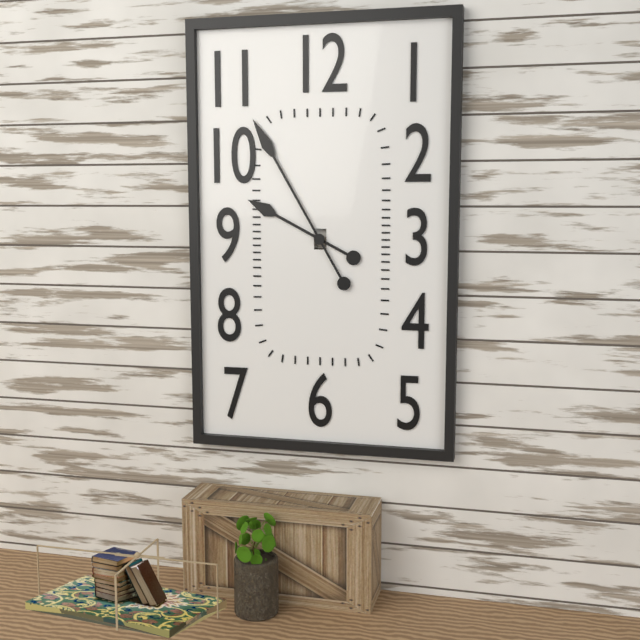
9:55
